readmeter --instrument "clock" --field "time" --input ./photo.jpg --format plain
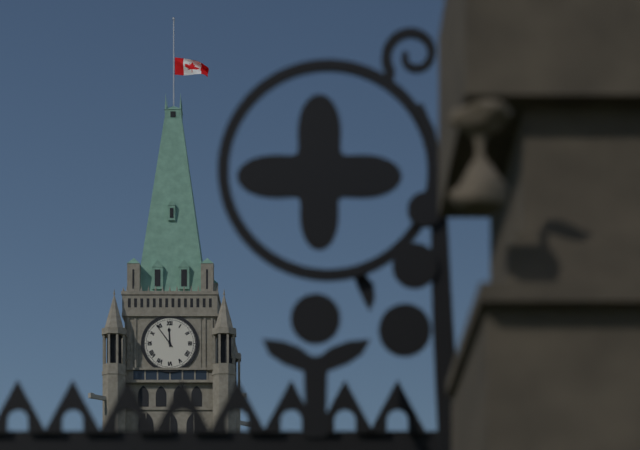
11:54
